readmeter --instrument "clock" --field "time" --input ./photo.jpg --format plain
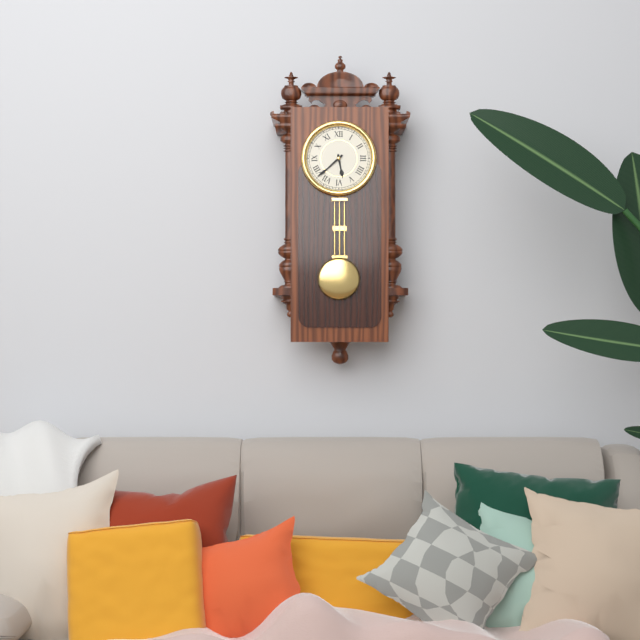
5:38
